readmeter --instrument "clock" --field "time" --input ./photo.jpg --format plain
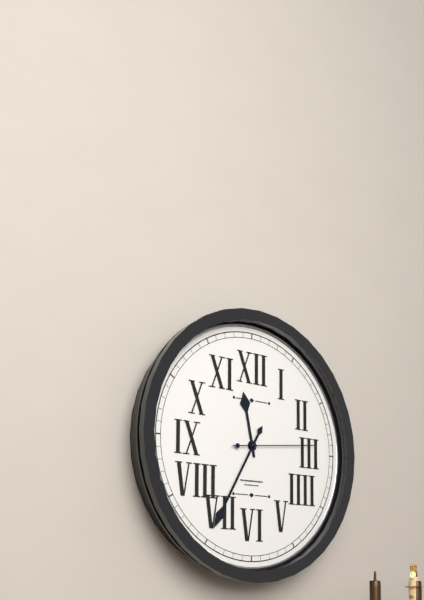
11:35:14
